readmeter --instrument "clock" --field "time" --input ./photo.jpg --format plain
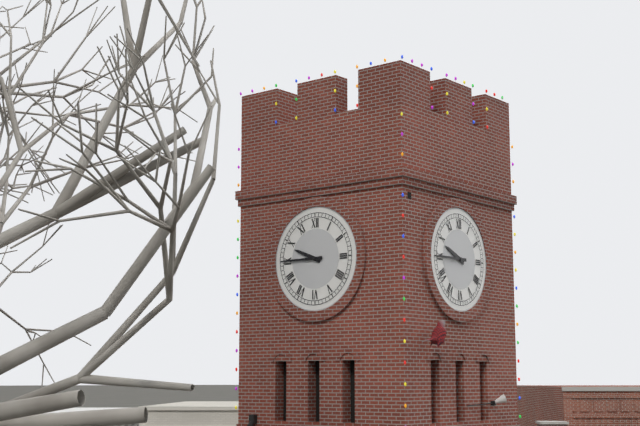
9:45
